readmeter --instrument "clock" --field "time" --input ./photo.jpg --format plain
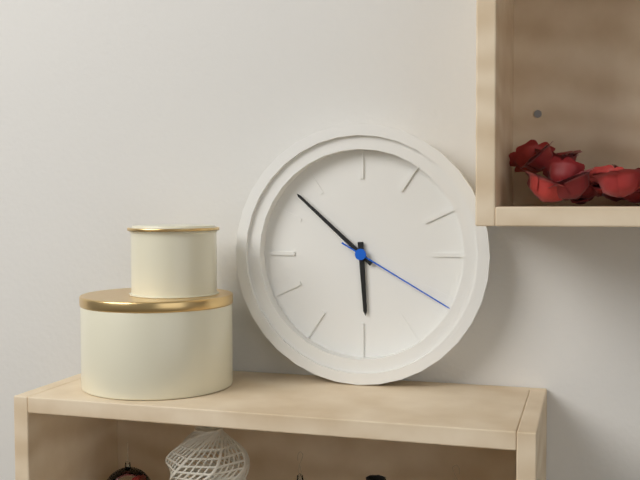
5:52:20
